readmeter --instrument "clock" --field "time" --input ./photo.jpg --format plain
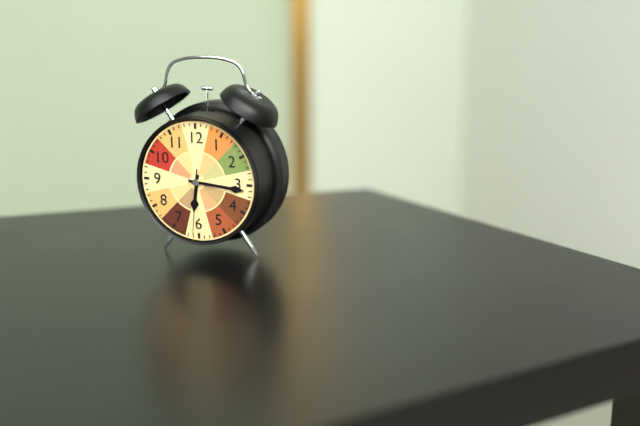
6:16:31
